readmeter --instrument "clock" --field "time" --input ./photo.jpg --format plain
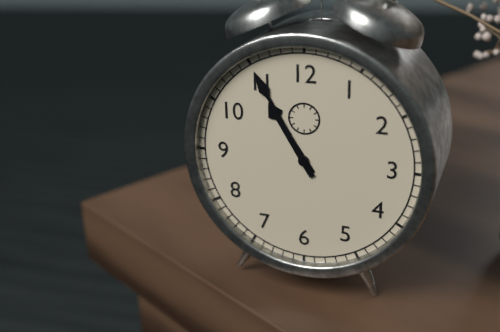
10:55
